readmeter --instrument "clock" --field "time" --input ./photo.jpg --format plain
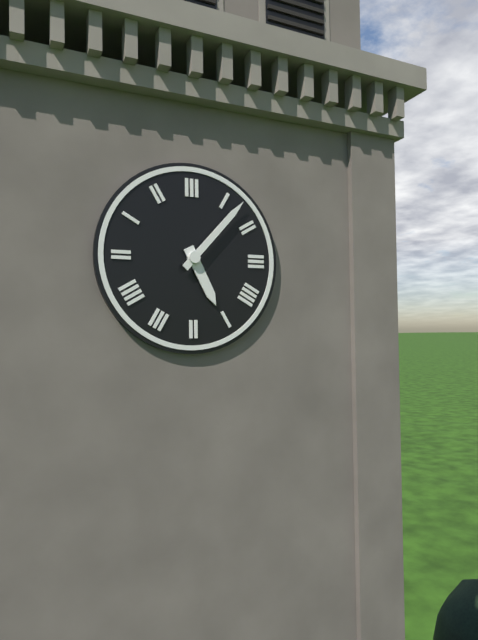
5:07
